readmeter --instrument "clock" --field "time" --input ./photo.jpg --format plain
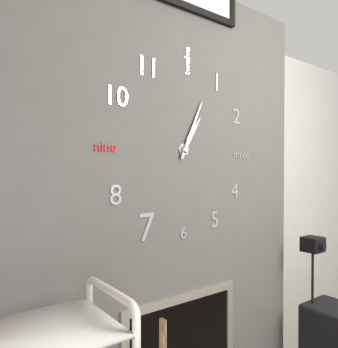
1:04
